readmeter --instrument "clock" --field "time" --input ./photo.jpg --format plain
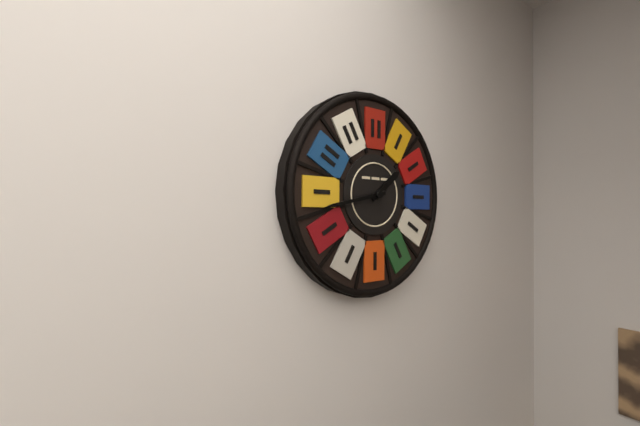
1:43
